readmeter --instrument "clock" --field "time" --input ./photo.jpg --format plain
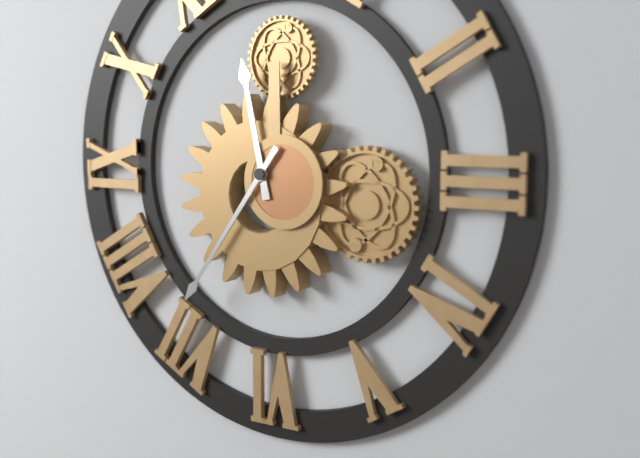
11:36
